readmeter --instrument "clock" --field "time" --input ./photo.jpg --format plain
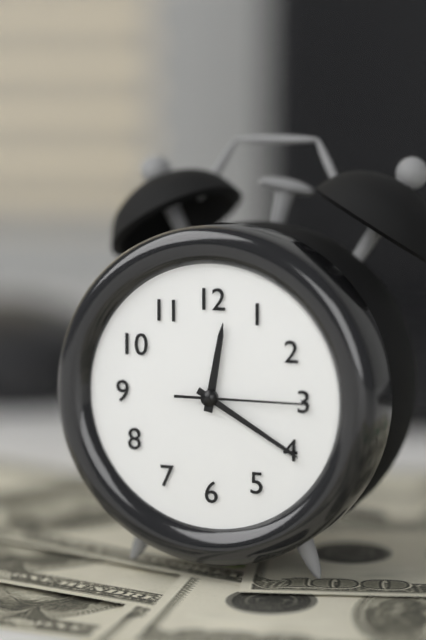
12:20:15
